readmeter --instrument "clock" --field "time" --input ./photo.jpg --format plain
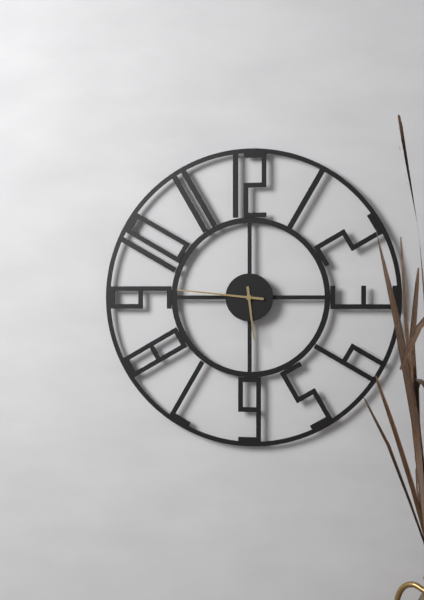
5:46
